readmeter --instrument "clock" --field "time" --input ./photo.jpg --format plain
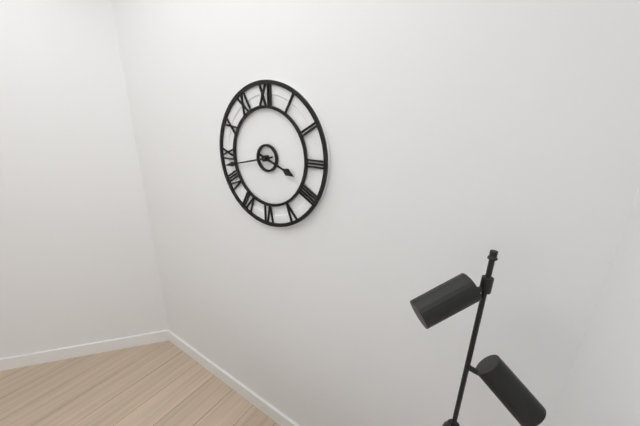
3:43
